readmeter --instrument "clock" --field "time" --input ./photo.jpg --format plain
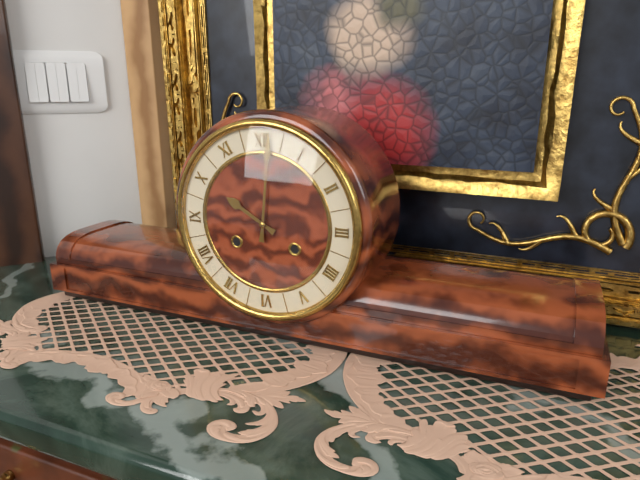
10:01
